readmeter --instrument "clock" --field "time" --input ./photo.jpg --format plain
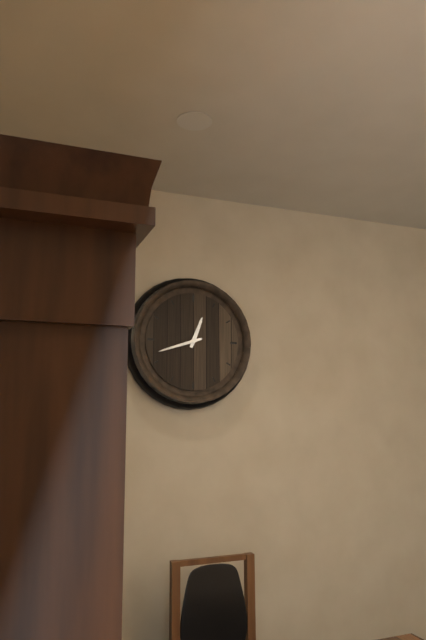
12:42
